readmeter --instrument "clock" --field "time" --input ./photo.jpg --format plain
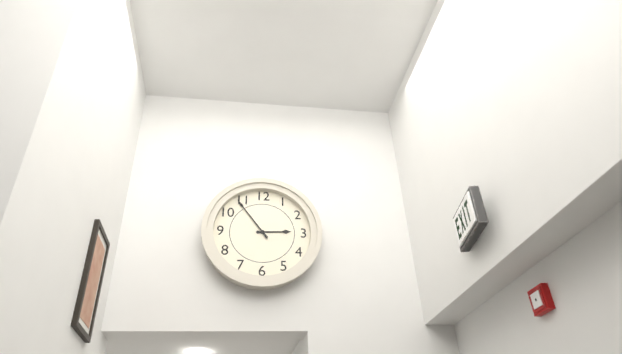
2:54
